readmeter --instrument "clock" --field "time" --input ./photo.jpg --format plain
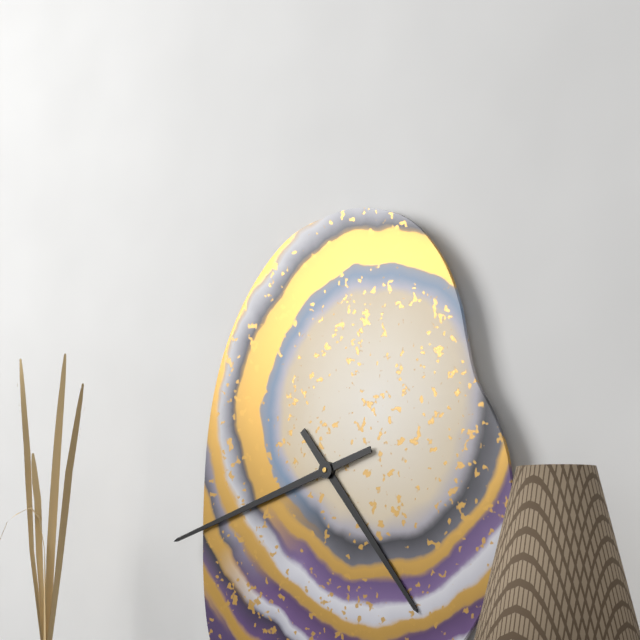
4:42
